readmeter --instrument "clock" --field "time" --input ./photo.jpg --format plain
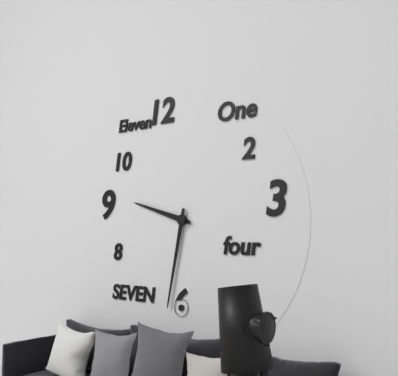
9:32
